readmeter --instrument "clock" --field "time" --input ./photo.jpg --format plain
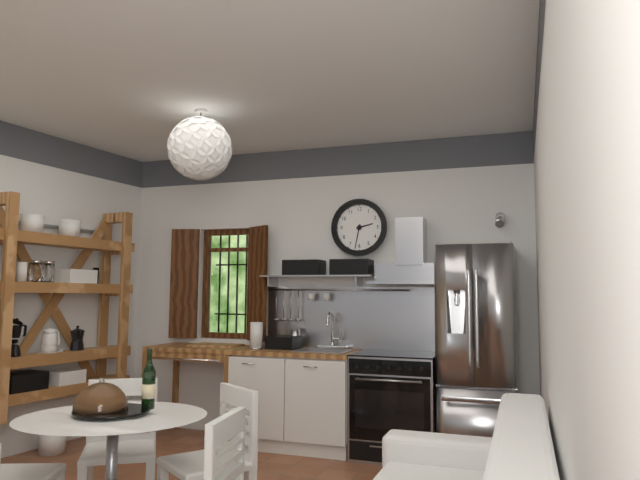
2:32
